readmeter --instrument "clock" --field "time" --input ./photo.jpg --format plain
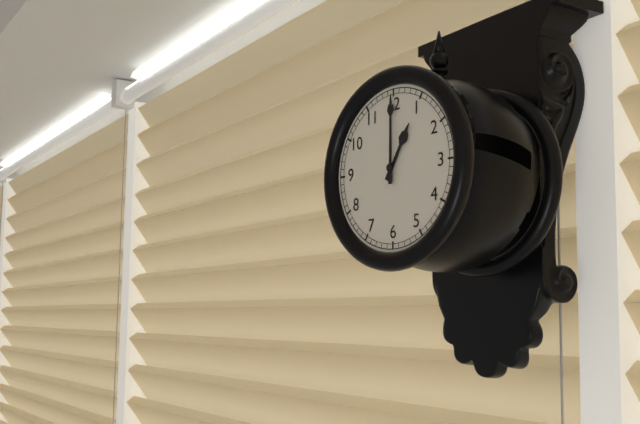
1:00
